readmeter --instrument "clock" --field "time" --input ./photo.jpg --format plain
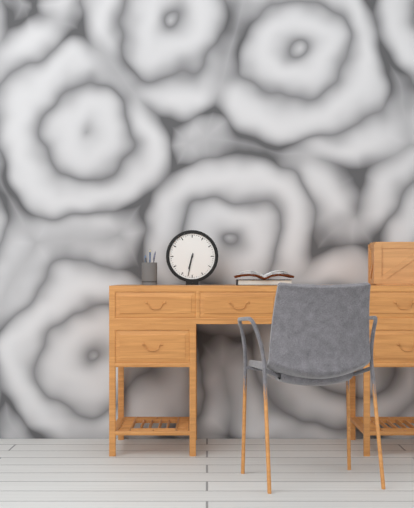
6:32
